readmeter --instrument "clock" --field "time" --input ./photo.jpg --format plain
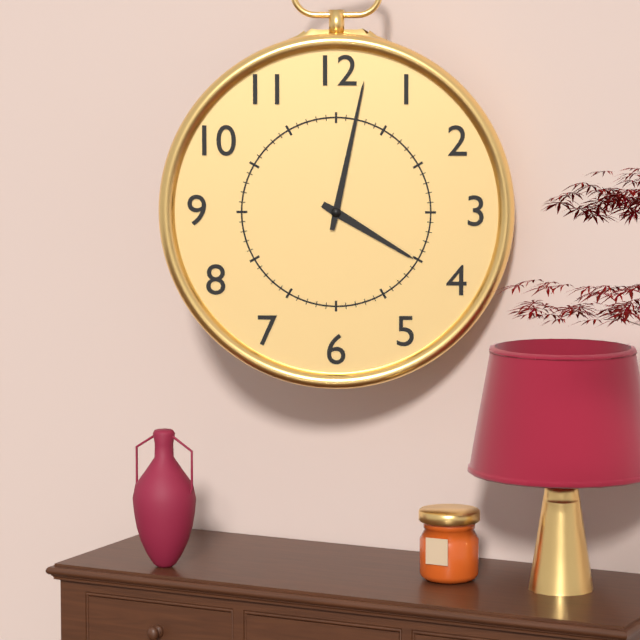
4:02
